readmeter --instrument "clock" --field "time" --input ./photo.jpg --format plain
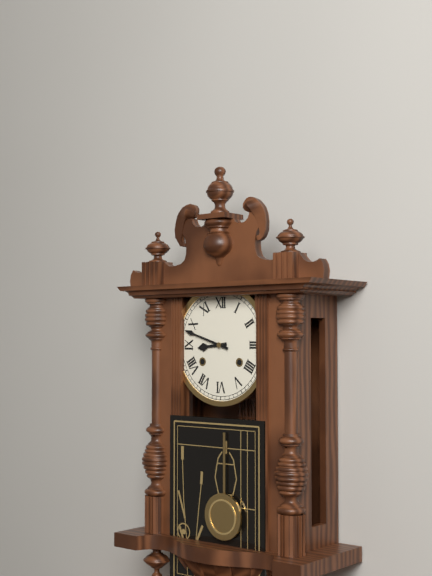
8:48
